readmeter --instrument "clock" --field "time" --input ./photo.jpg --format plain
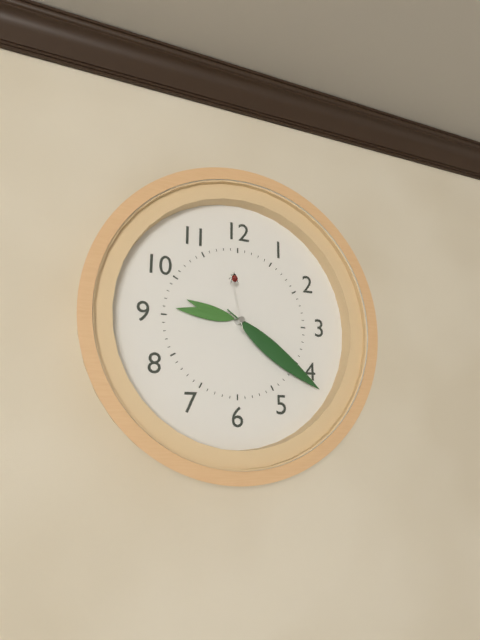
9:21:58
